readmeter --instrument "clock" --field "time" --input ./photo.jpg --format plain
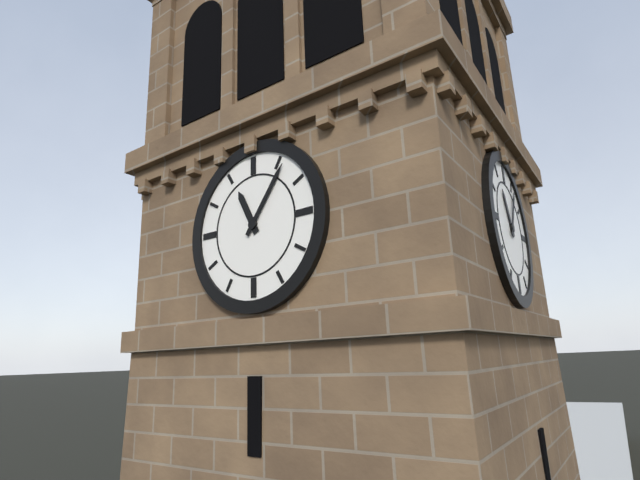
11:06
